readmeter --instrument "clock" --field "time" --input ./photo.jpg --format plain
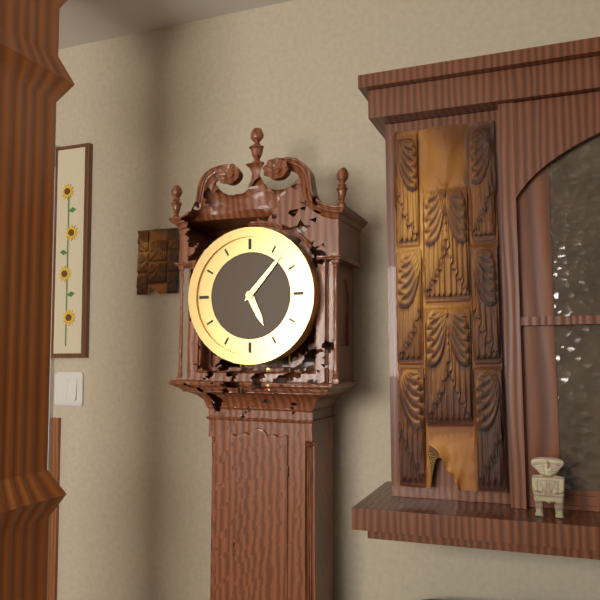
5:07
